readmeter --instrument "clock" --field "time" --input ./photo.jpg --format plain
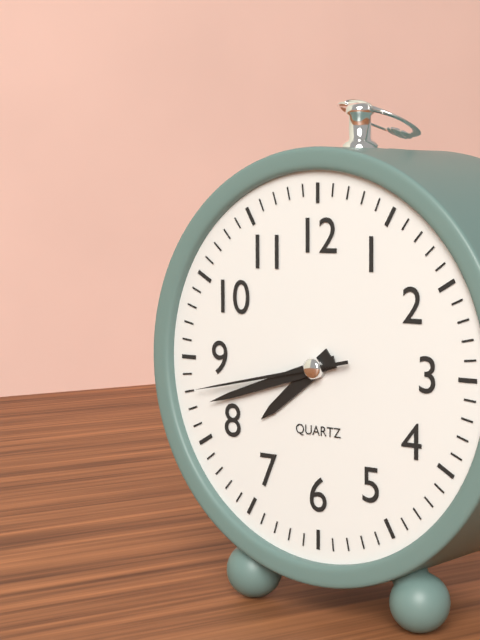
7:42:43
